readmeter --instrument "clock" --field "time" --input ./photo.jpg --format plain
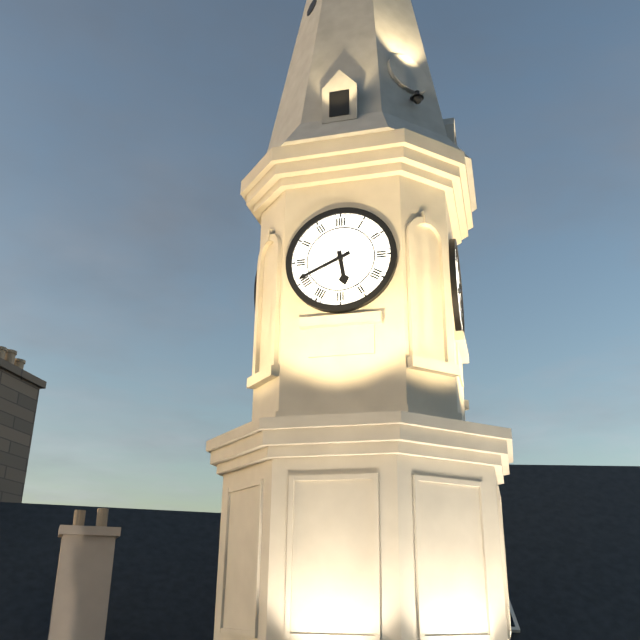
5:41
